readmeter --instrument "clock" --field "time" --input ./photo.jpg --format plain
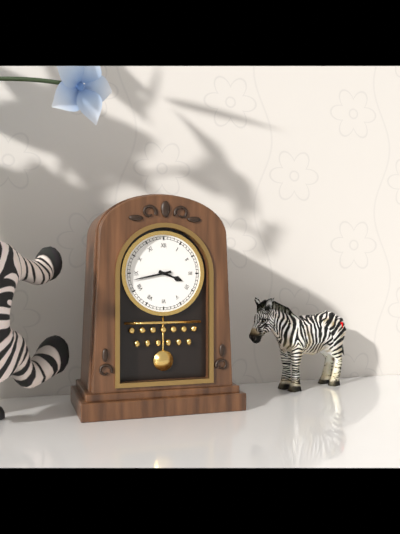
3:43
